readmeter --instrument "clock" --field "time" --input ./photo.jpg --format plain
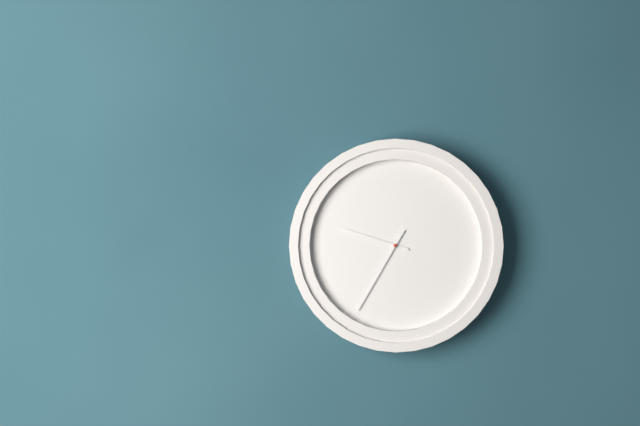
9:35
